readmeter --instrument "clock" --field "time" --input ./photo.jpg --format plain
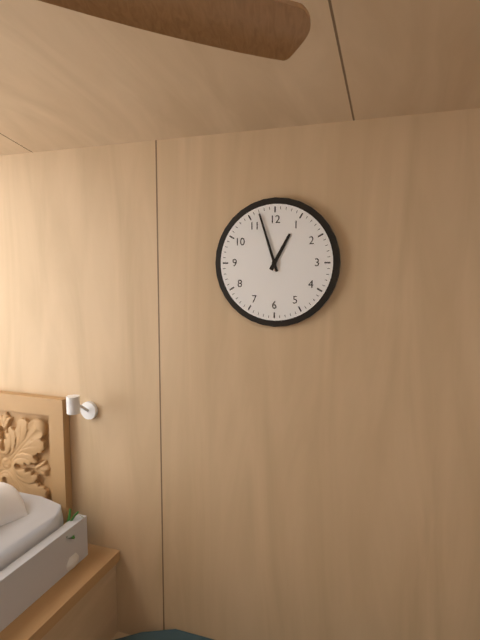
12:57
